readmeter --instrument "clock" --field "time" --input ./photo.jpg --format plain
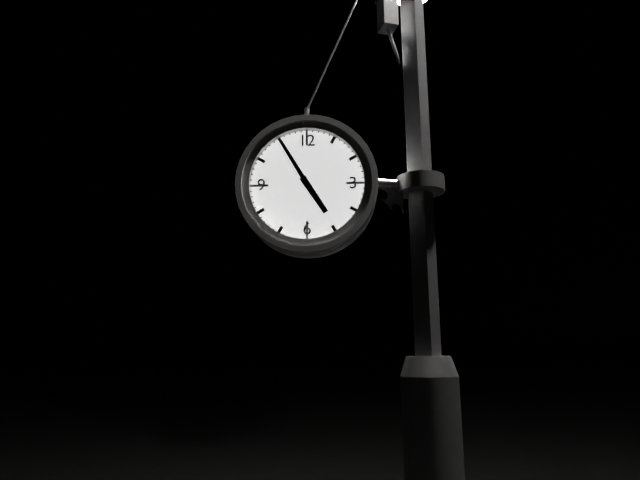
4:55
